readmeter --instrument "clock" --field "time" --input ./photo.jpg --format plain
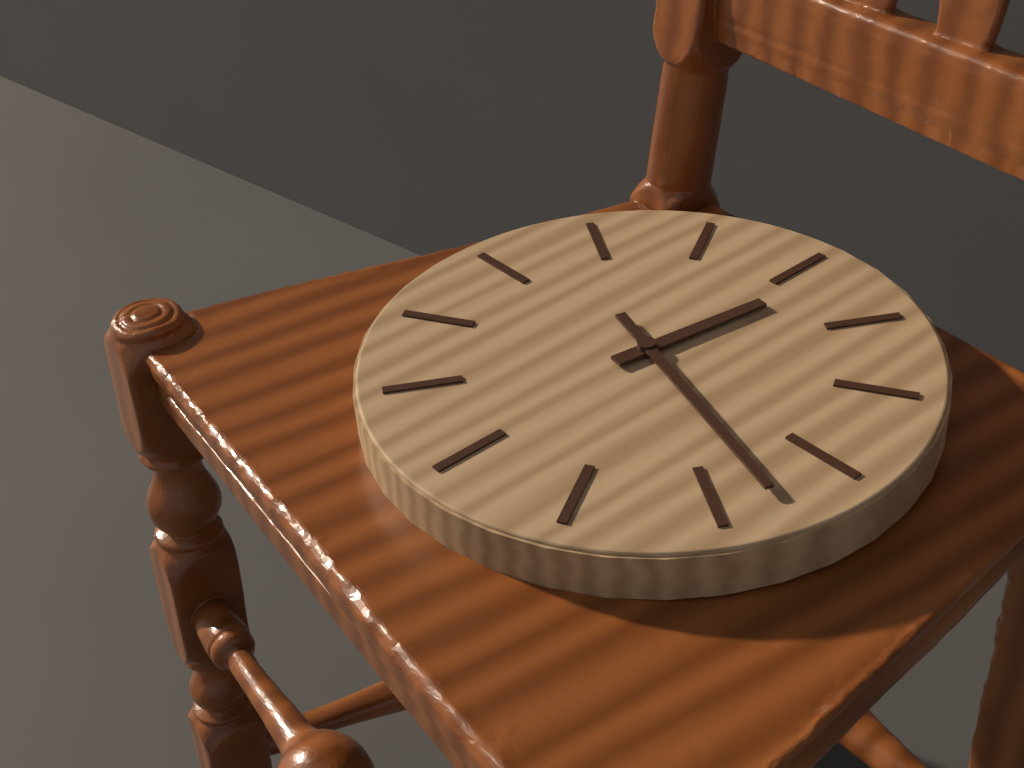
12:18
